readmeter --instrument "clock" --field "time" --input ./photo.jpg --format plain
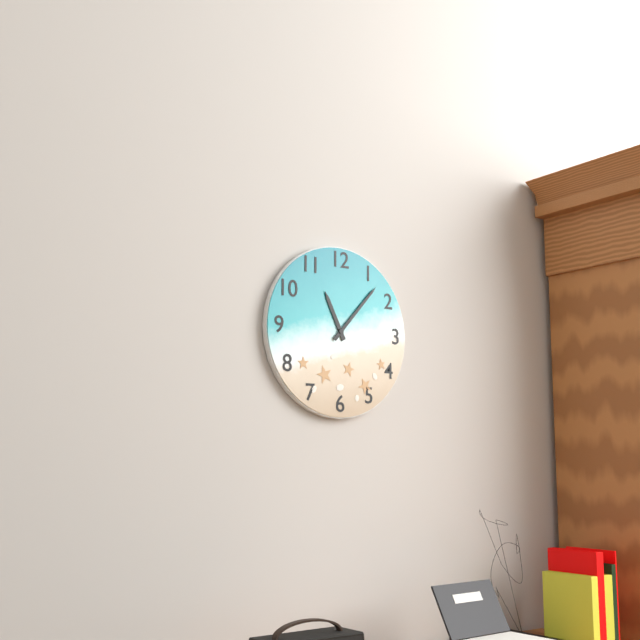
11:07
